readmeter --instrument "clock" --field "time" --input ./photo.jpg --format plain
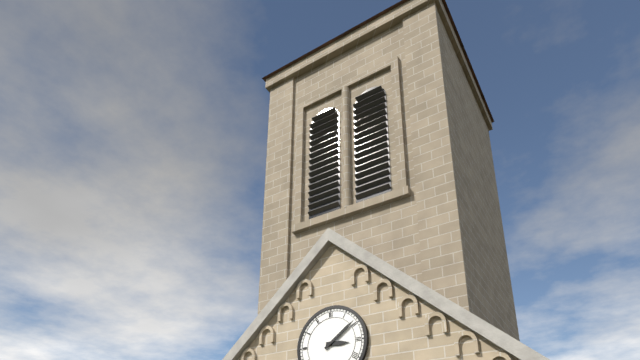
3:09
